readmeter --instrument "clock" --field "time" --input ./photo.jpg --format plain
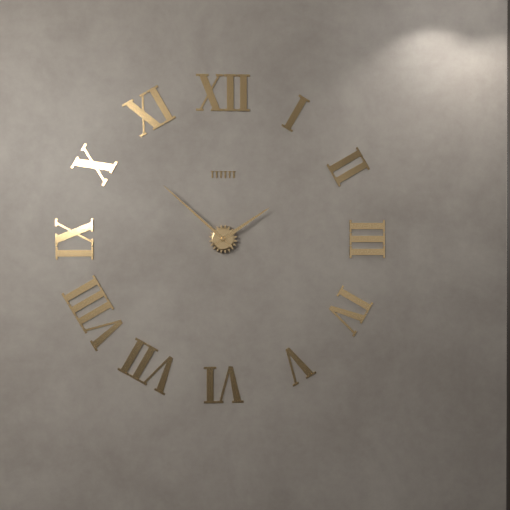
1:52
